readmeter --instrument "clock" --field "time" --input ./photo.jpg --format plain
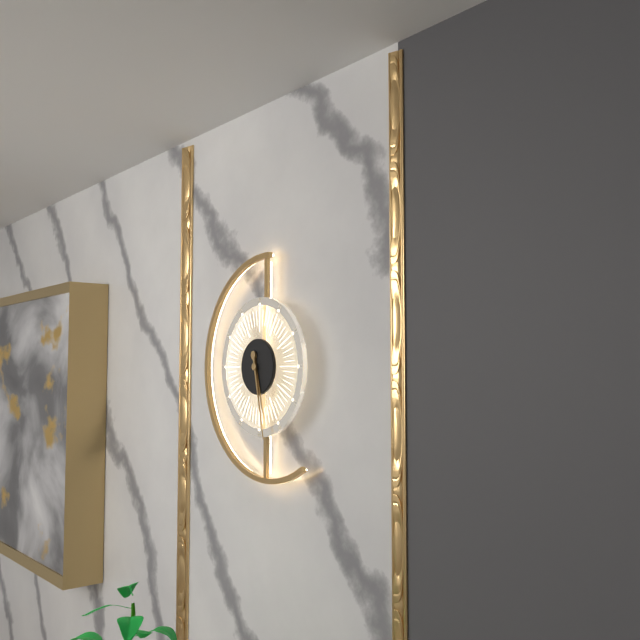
5:28
